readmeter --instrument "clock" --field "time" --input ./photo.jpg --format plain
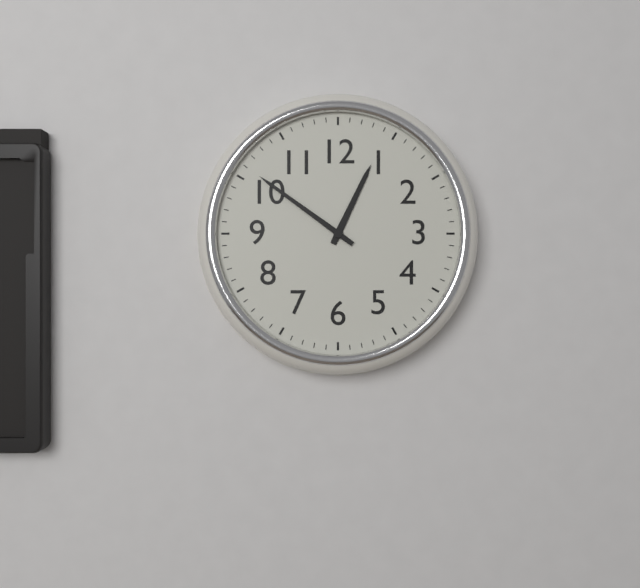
12:51
